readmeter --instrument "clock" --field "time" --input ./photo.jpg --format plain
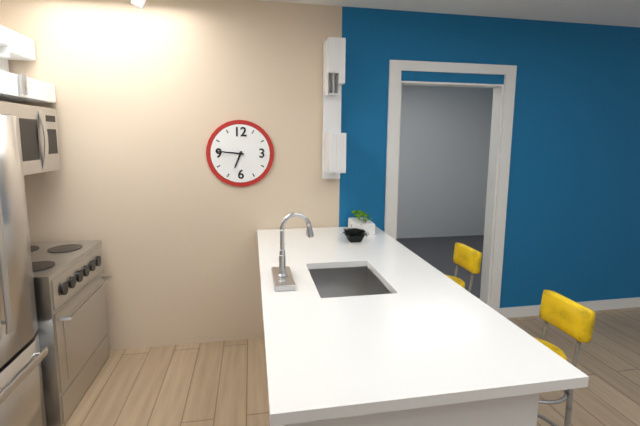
6:46
